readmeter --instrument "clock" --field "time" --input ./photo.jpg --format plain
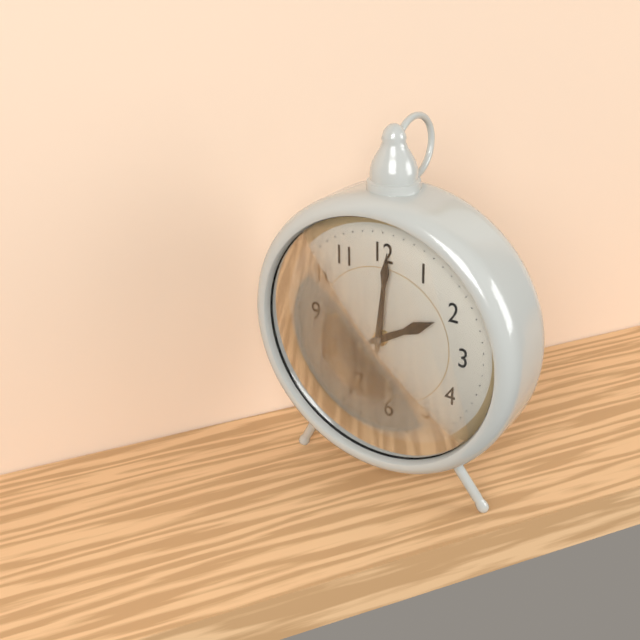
2:01
